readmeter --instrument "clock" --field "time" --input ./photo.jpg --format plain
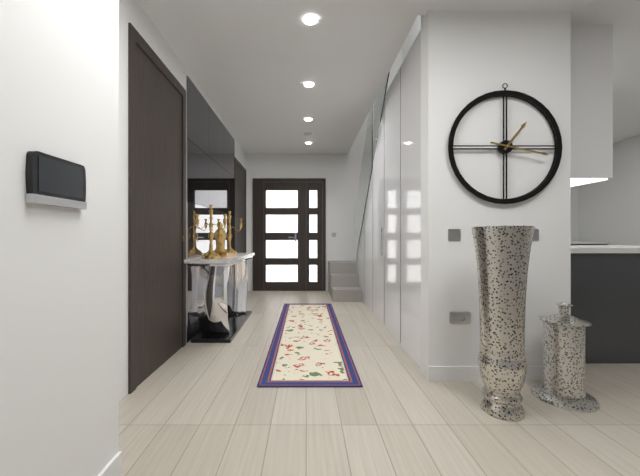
1:17
